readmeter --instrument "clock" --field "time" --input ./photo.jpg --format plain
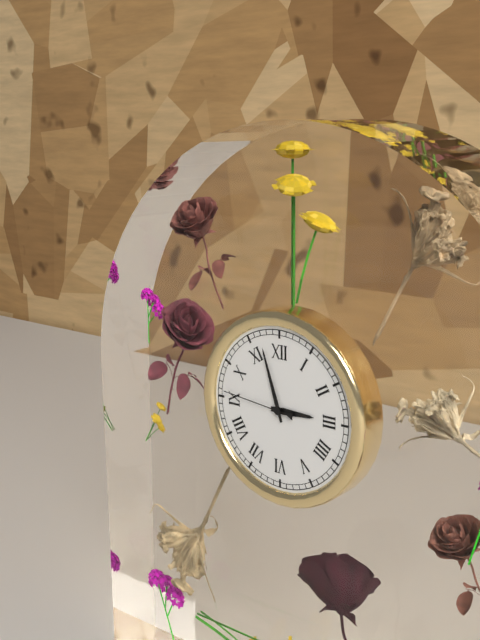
2:57:46
